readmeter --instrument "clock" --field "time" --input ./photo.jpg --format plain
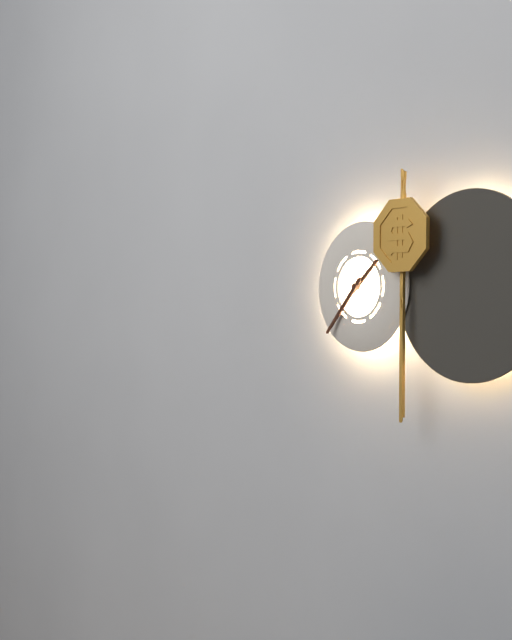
1:37
